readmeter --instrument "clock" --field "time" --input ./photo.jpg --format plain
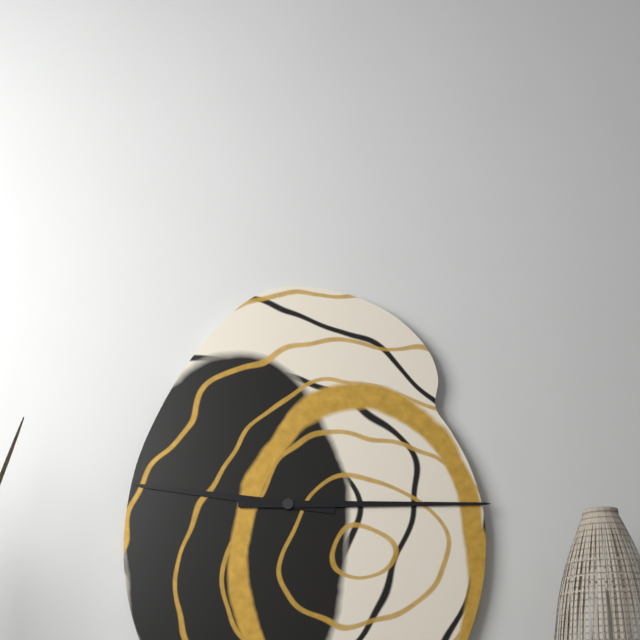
9:15
